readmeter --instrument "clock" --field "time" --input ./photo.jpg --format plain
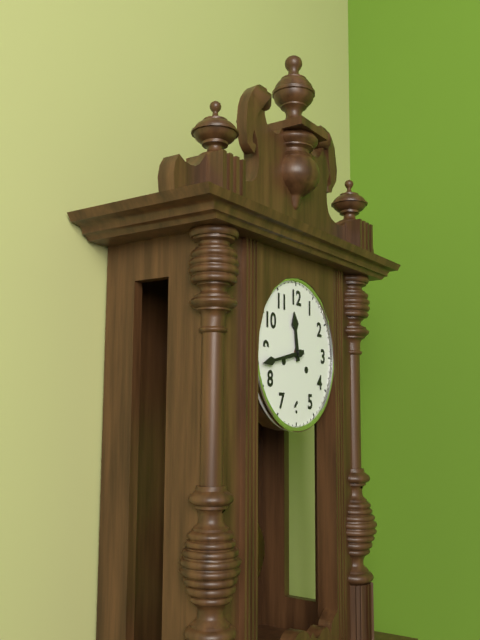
11:43
